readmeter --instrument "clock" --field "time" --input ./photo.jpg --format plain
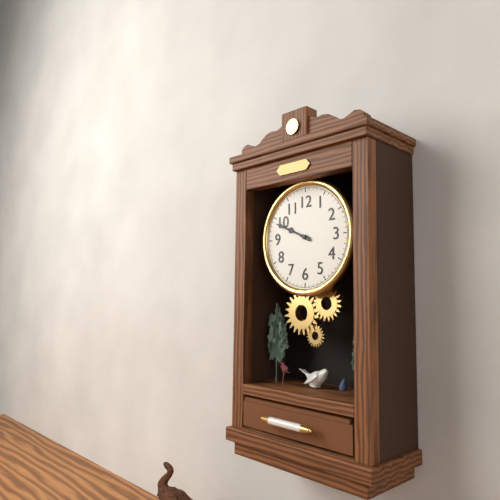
9:49
